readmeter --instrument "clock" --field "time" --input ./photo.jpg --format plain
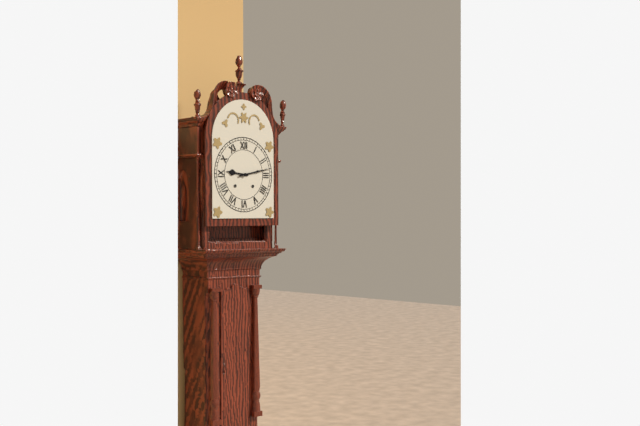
9:13
